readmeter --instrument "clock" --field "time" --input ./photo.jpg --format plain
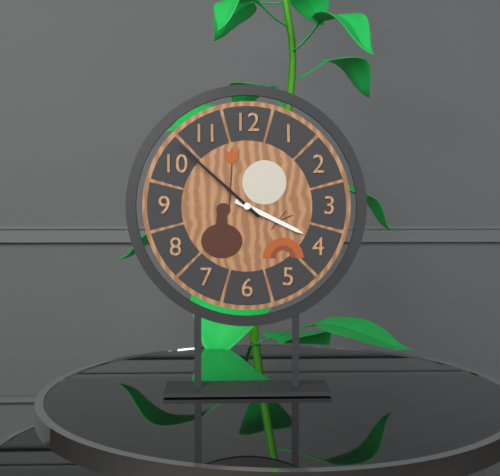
3:52
